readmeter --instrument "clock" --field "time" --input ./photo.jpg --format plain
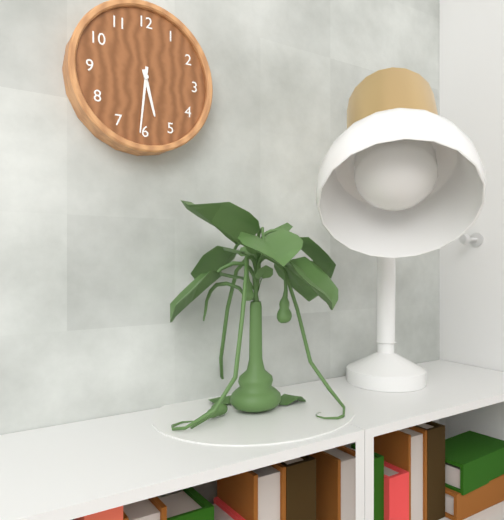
5:31
